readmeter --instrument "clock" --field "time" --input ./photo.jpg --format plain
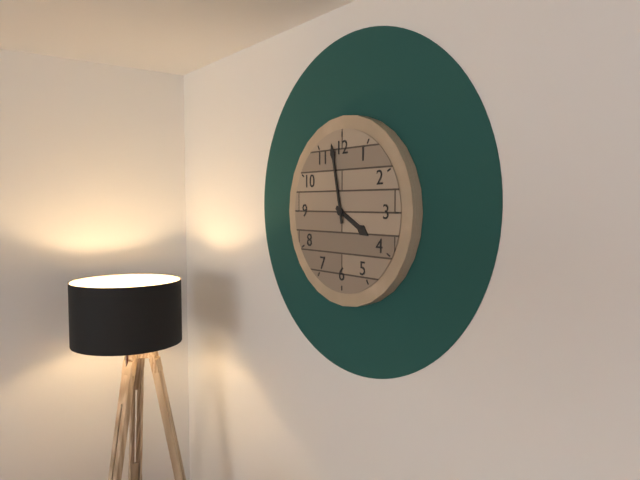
3:58
